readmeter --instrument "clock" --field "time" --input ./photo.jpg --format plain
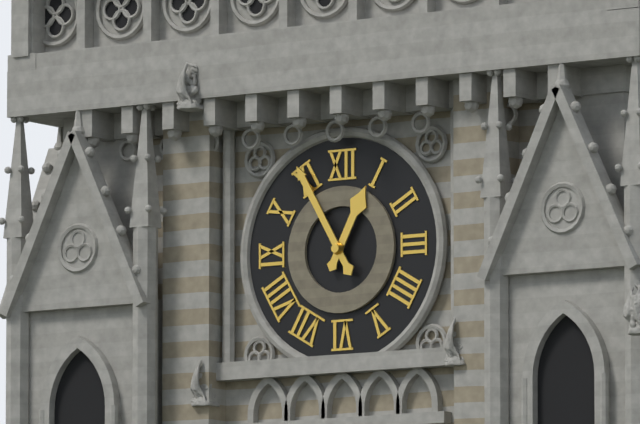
12:55
